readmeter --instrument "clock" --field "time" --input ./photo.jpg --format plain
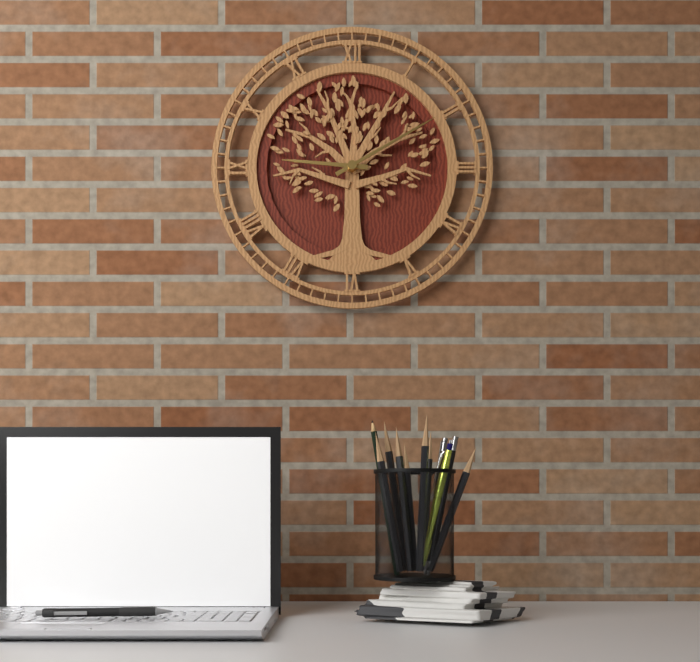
9:10
